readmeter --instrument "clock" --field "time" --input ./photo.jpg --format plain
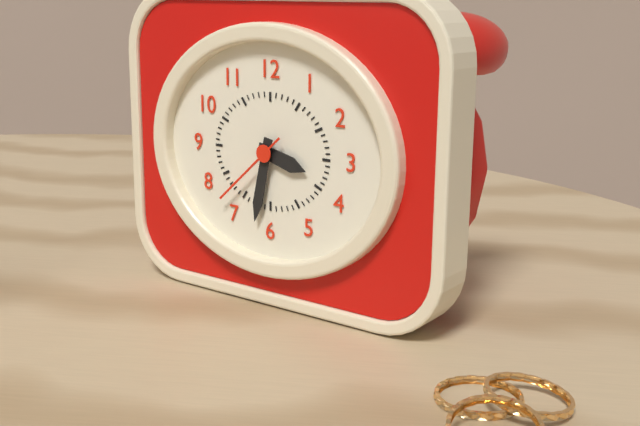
3:32:38
